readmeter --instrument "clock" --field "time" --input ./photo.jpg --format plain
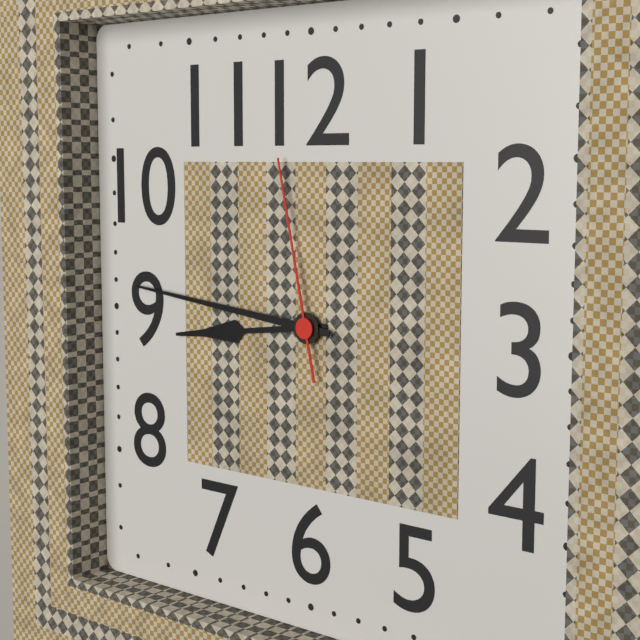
8:46:58
